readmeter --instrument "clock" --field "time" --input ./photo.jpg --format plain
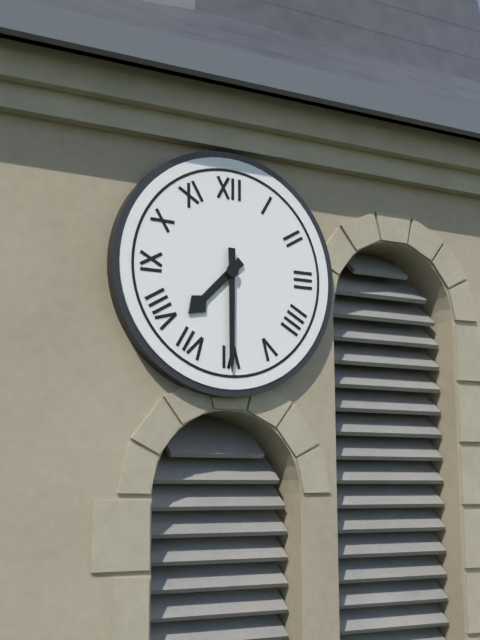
7:30
